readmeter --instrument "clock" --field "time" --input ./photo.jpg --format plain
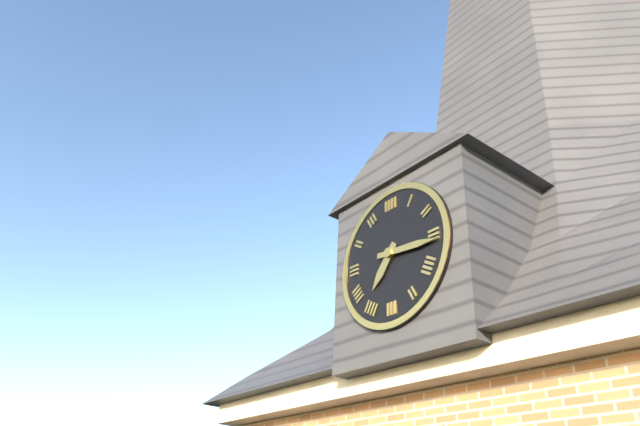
7:16
